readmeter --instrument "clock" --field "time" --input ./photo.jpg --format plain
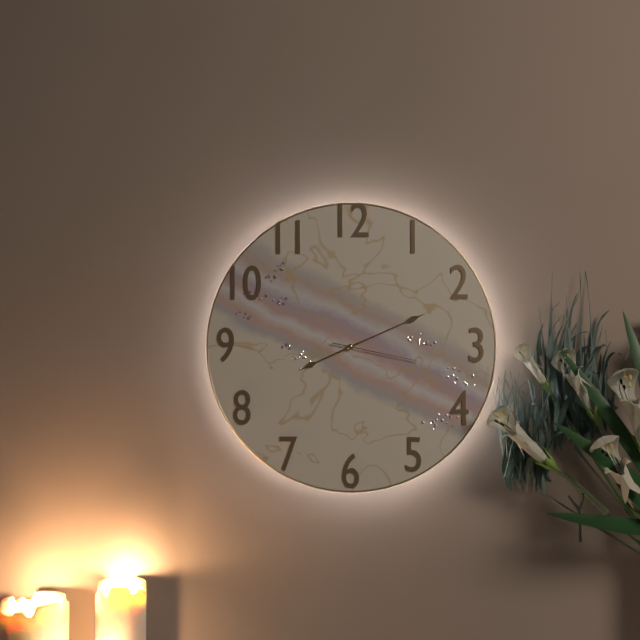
8:11:17
